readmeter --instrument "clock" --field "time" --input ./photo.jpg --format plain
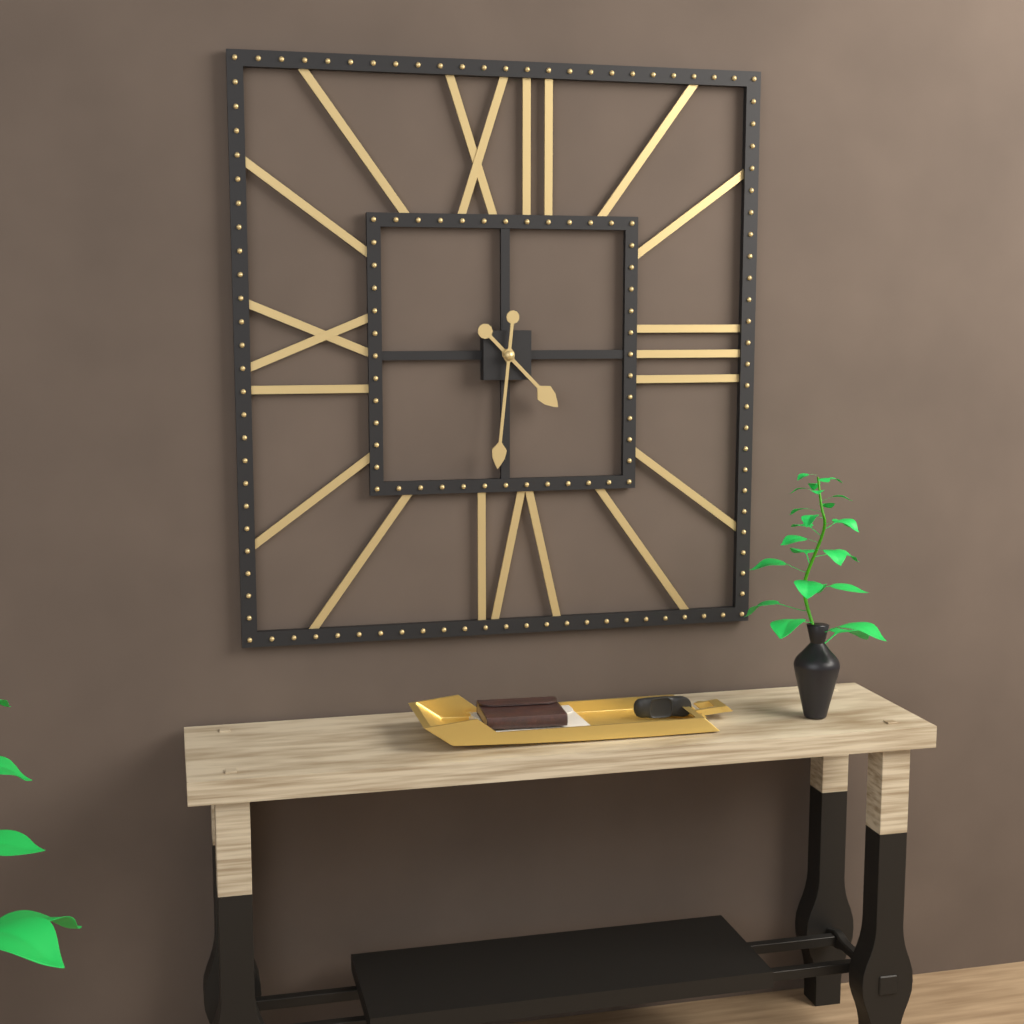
4:31
